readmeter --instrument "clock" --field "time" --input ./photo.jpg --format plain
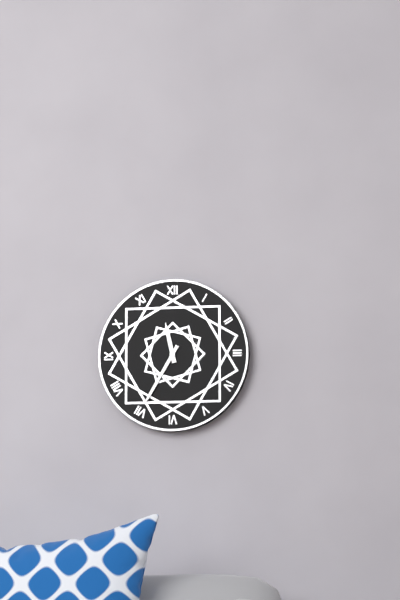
11:35
